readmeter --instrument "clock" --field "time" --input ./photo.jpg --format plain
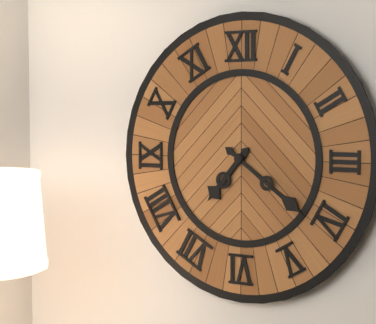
7:21
